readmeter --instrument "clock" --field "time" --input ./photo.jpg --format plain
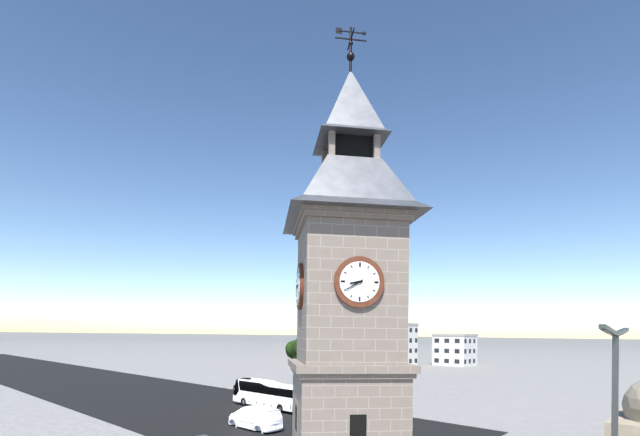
8:40
